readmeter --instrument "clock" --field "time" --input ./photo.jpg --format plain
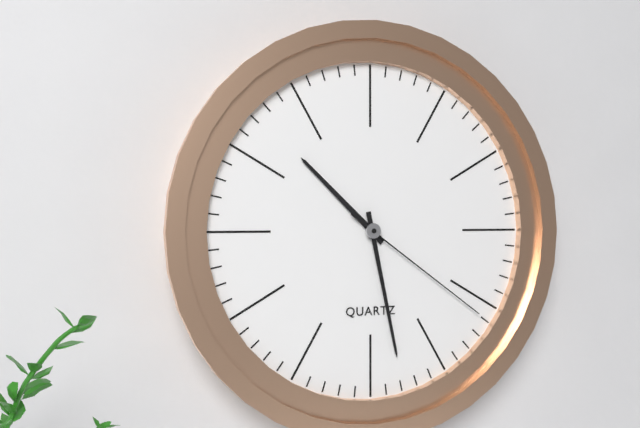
10:28:21
